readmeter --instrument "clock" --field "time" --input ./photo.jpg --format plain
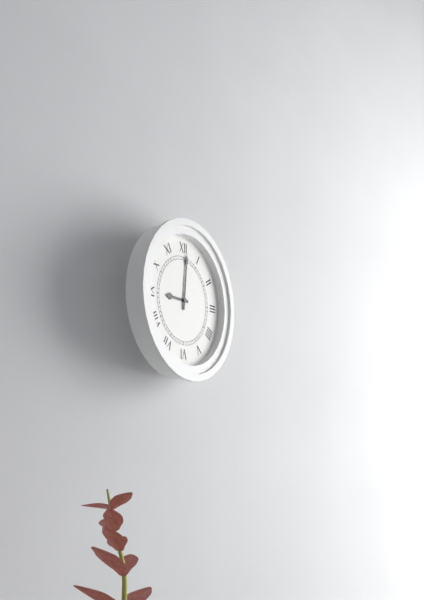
9:01
